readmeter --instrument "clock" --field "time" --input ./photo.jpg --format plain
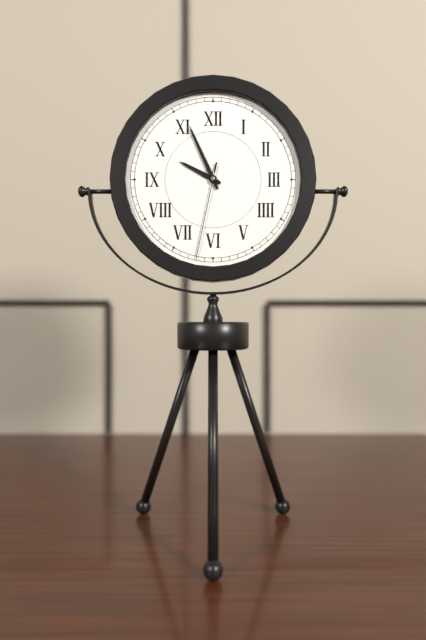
9:56:32
